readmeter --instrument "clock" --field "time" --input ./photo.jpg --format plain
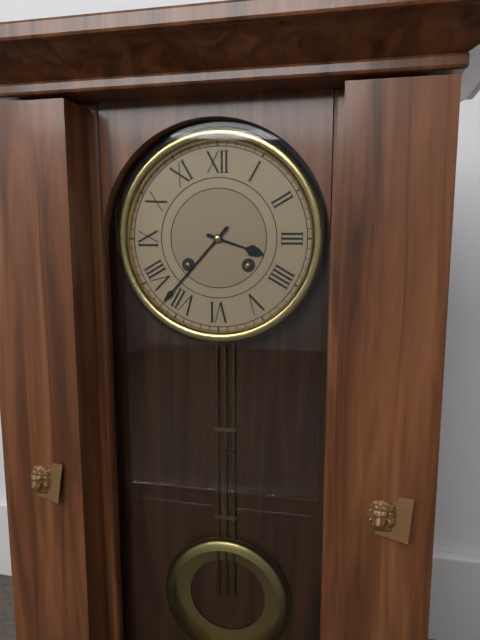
3:37
